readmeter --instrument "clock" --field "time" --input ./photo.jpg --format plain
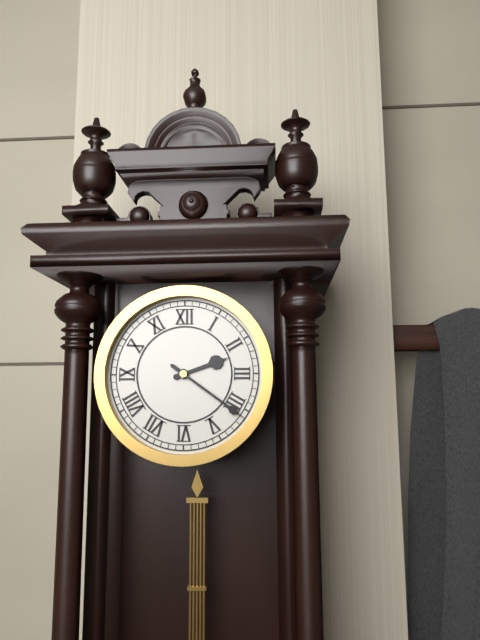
2:21
